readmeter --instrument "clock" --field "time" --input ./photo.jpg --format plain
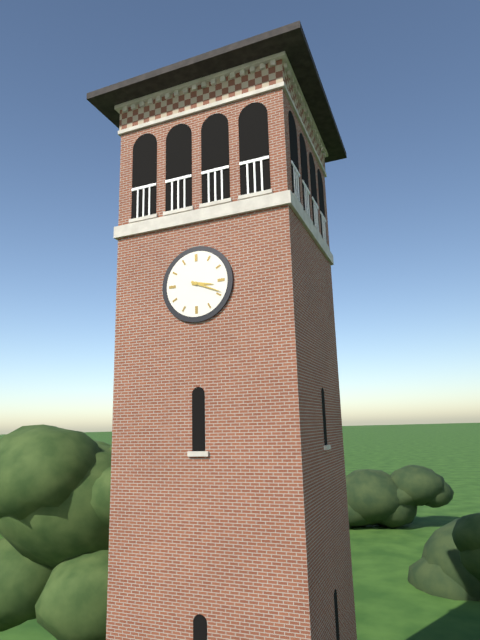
3:19
